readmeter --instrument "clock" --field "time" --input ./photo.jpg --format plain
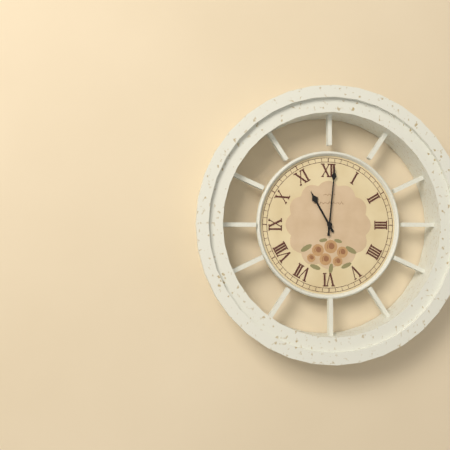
11:01
